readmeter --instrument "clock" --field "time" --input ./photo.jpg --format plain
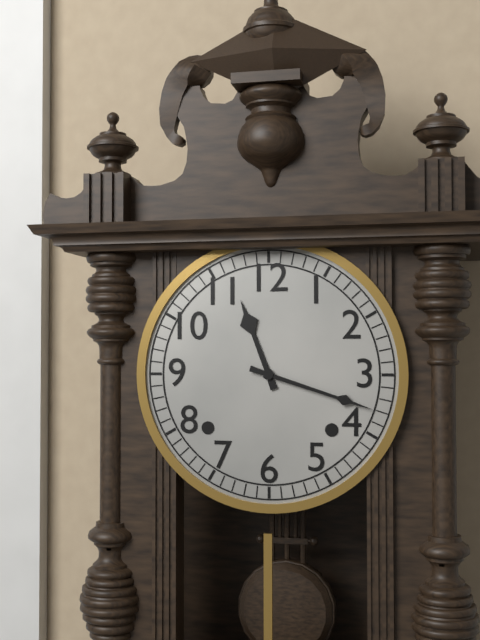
11:18
